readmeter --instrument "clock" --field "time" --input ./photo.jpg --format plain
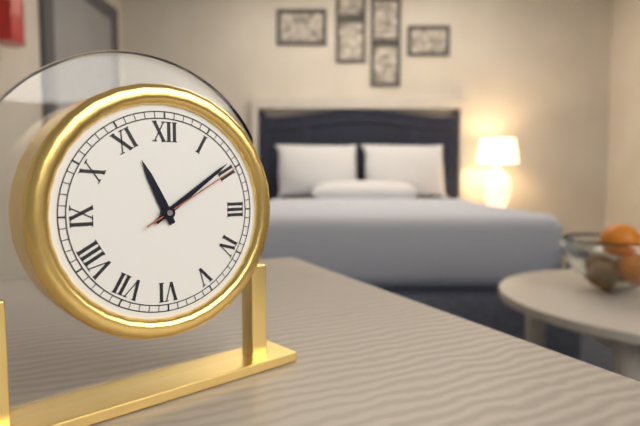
11:09:10
